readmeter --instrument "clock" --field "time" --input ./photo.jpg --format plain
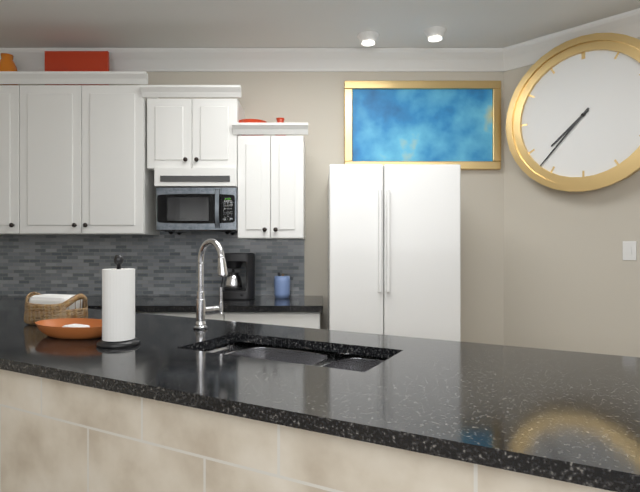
7:37
